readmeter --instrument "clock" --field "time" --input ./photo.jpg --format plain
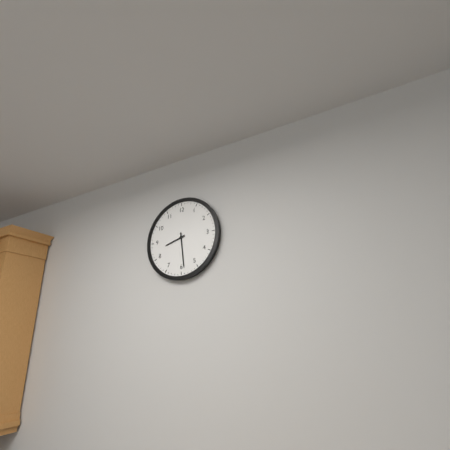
8:29
